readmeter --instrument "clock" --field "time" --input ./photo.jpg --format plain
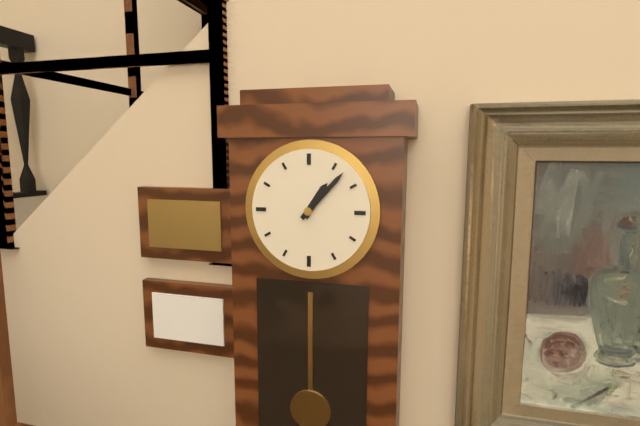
1:07
